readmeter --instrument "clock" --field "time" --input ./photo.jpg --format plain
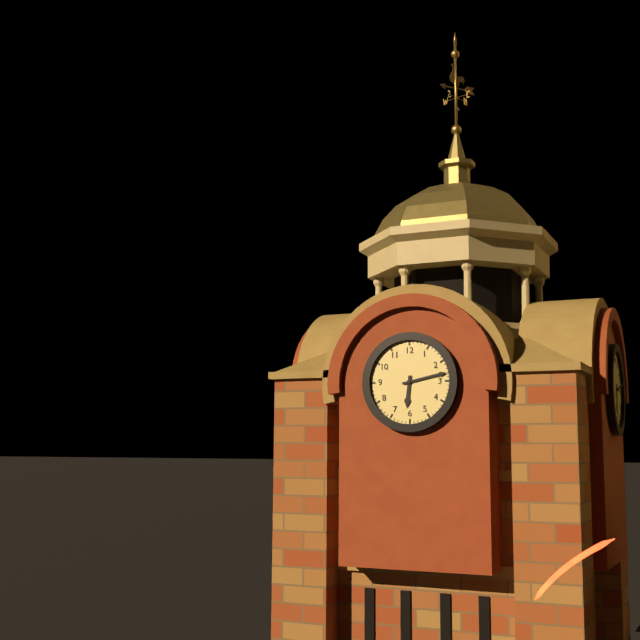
6:13
